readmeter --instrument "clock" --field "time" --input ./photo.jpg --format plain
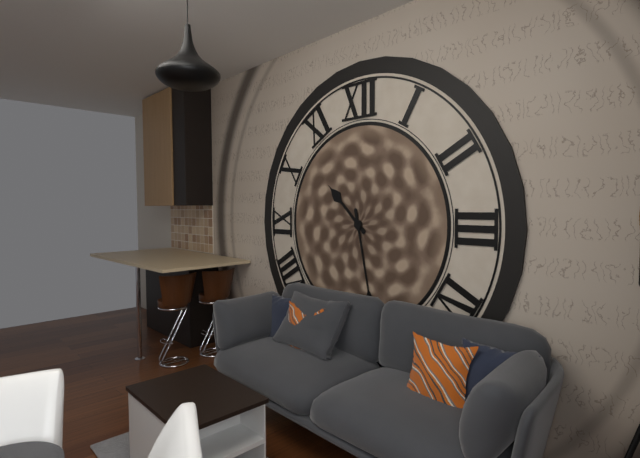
10:28
